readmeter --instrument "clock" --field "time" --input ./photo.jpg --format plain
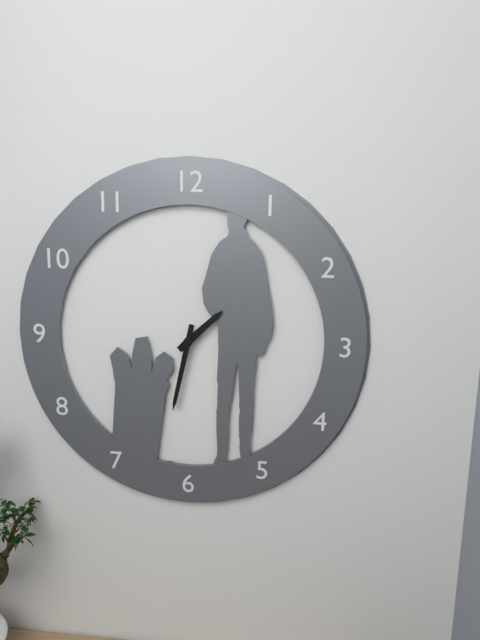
1:32
